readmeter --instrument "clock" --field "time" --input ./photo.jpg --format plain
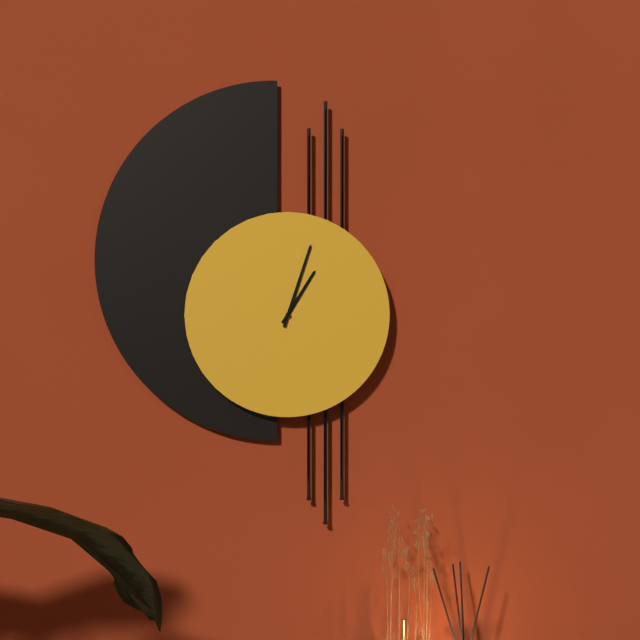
1:03
